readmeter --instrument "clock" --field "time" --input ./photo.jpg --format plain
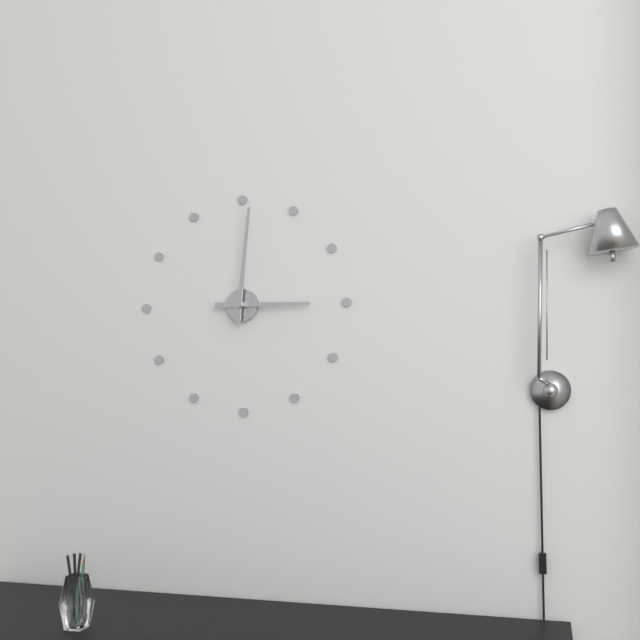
3:01
